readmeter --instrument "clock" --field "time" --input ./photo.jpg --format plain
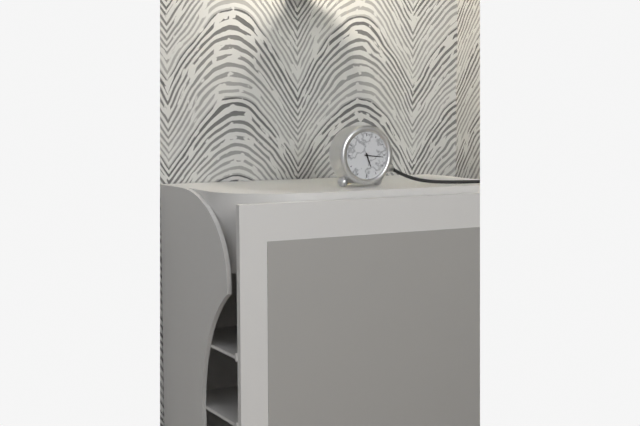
5:16
